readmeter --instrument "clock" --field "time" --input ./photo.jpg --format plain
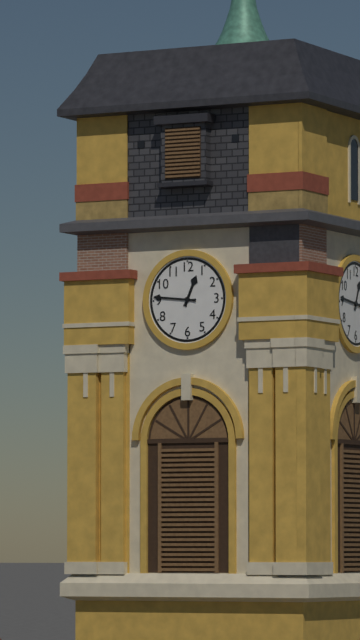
12:46
